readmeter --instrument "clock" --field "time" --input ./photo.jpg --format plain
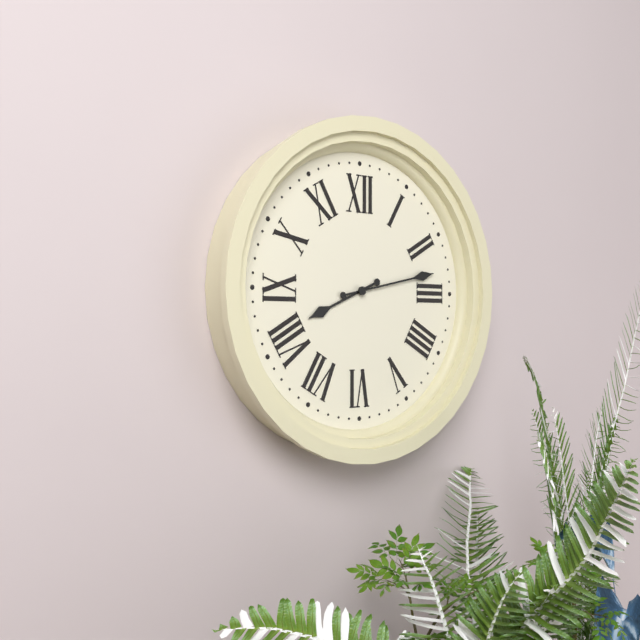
8:13
